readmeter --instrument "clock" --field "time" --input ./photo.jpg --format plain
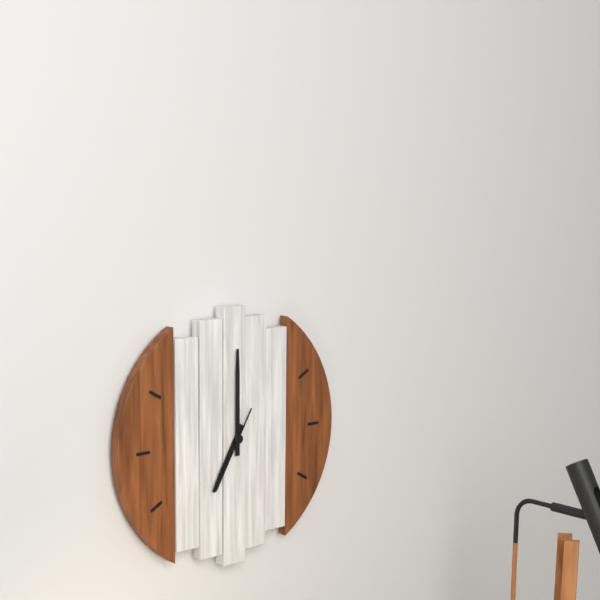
7:00:35
